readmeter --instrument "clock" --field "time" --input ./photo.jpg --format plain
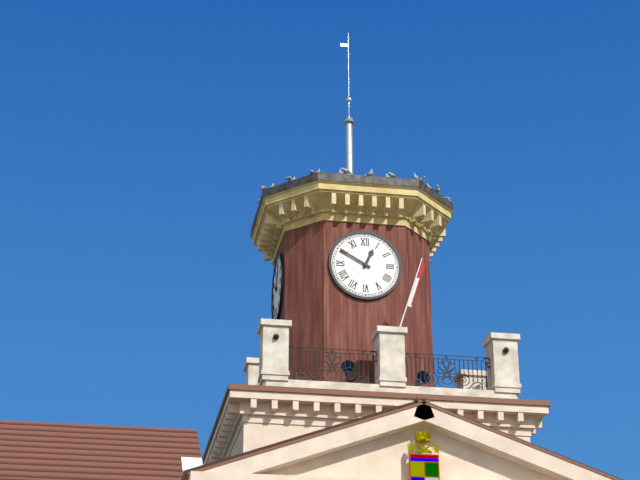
12:50
